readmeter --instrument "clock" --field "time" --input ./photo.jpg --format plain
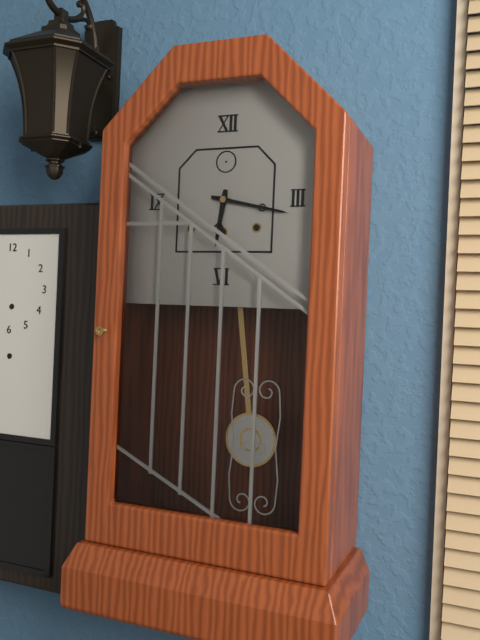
6:17
